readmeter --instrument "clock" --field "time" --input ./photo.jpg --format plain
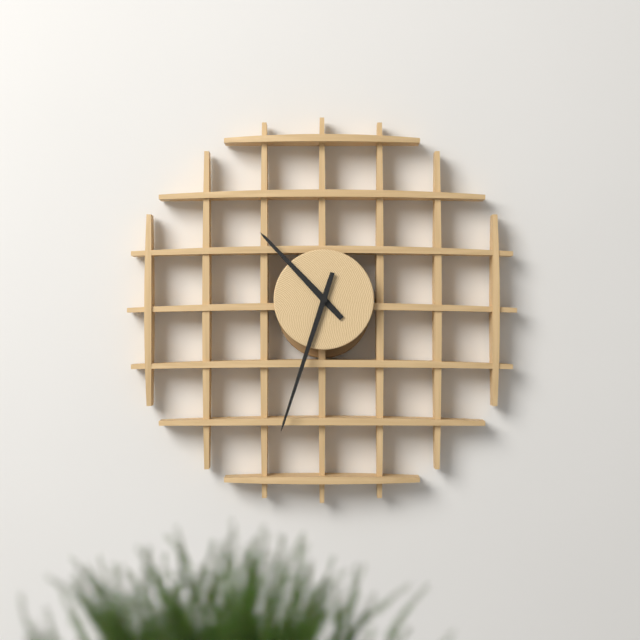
10:33
